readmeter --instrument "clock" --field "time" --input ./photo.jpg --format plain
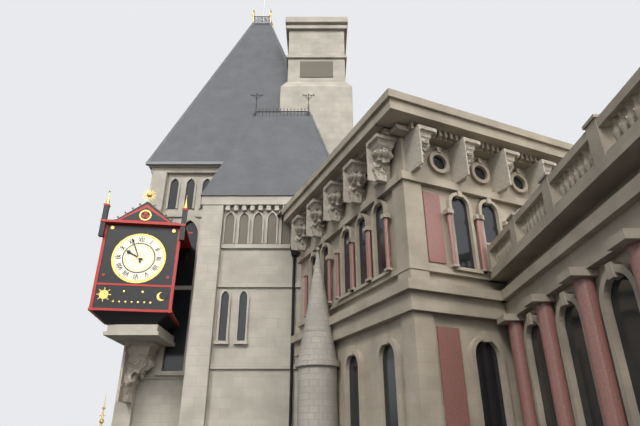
9:56
